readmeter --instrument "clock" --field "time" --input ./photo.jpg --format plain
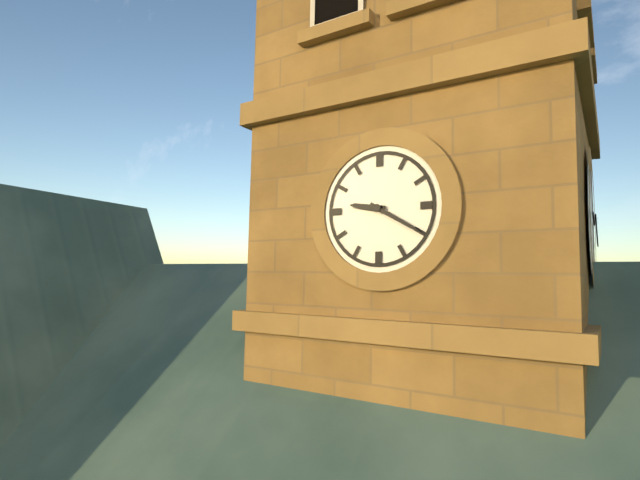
9:20
